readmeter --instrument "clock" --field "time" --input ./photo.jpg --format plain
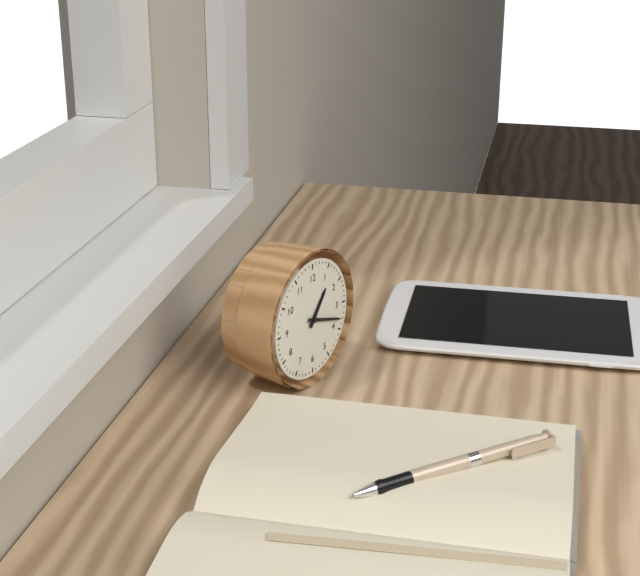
1:18
